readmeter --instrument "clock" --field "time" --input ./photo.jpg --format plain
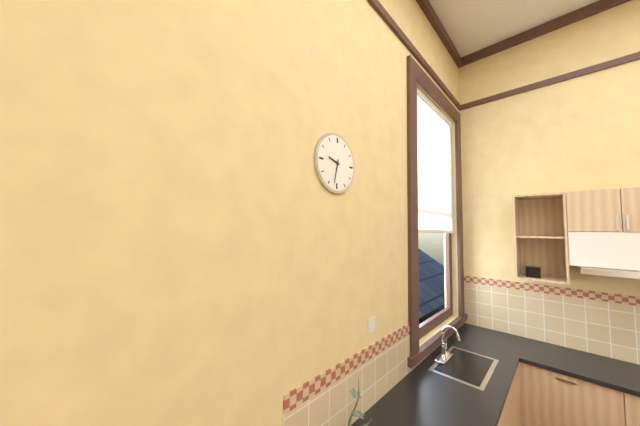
9:32
